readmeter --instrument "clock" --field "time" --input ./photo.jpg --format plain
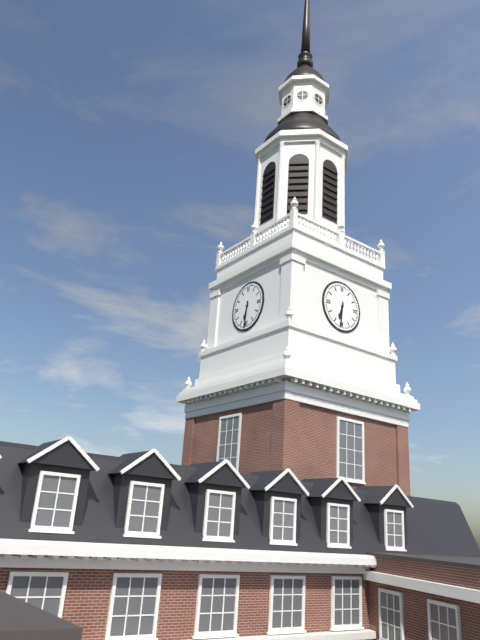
6:31
